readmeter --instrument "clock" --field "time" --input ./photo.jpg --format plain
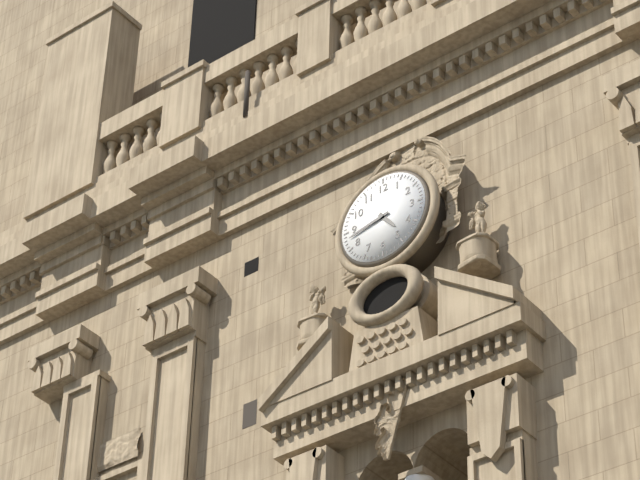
4:43
